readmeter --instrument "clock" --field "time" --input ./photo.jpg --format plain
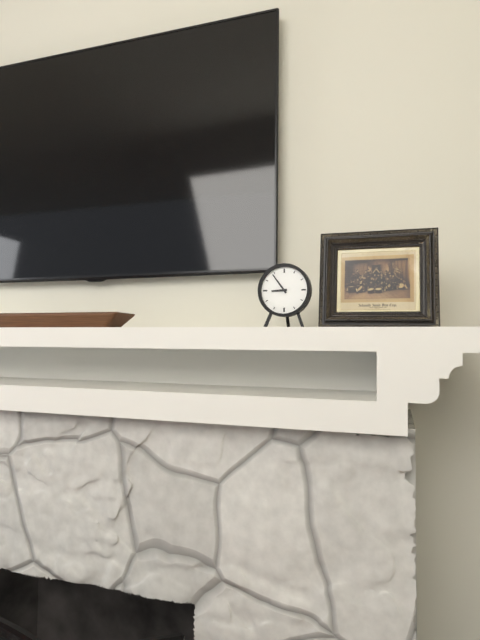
8:54
